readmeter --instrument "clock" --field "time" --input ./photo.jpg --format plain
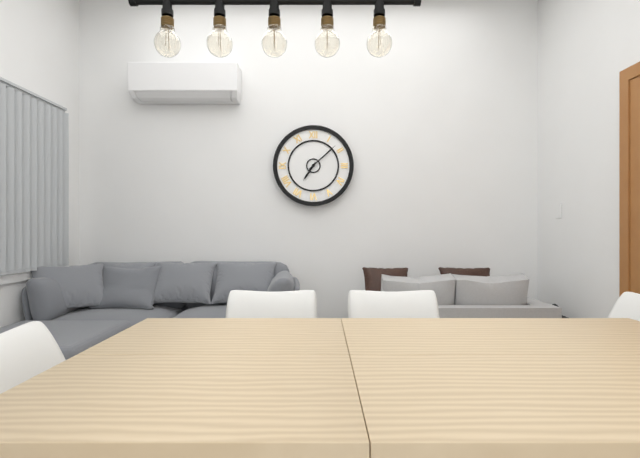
7:08
